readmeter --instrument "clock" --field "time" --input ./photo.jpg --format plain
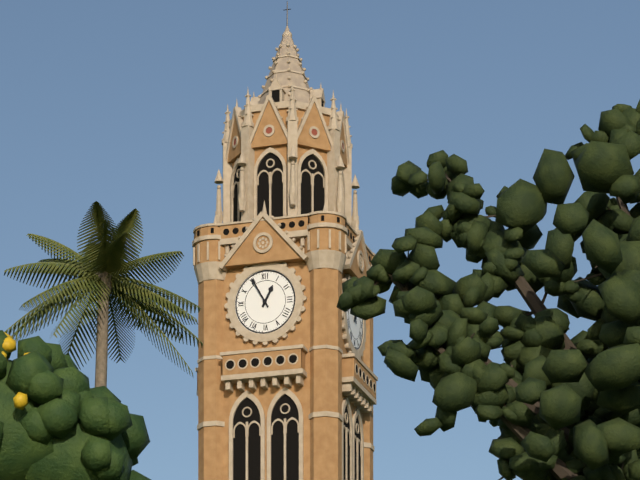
12:55
